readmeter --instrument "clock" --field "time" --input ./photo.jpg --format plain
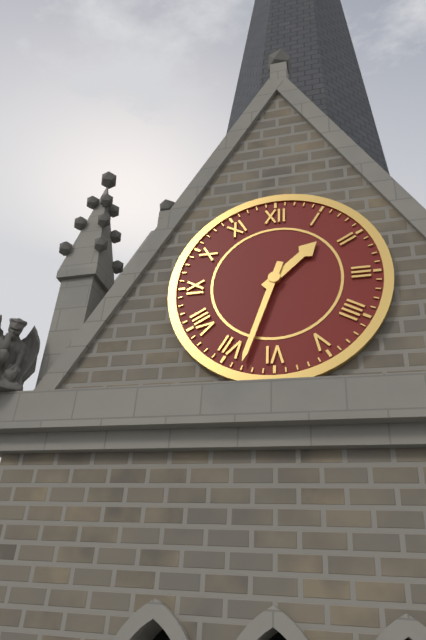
1:33
